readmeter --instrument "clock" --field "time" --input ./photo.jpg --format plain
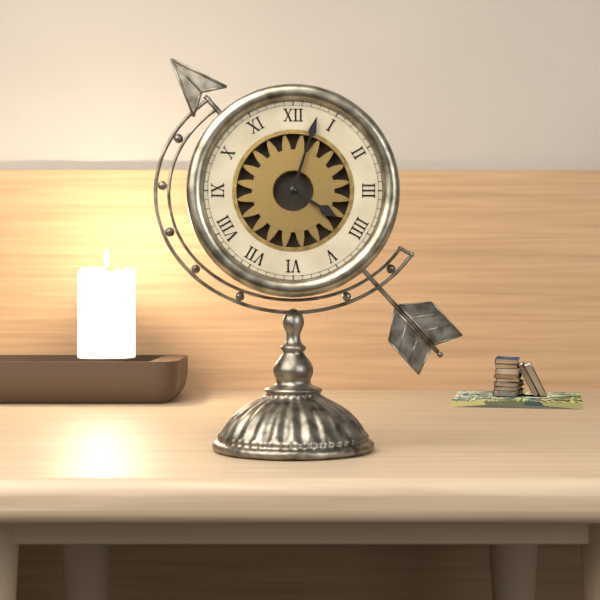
4:03
